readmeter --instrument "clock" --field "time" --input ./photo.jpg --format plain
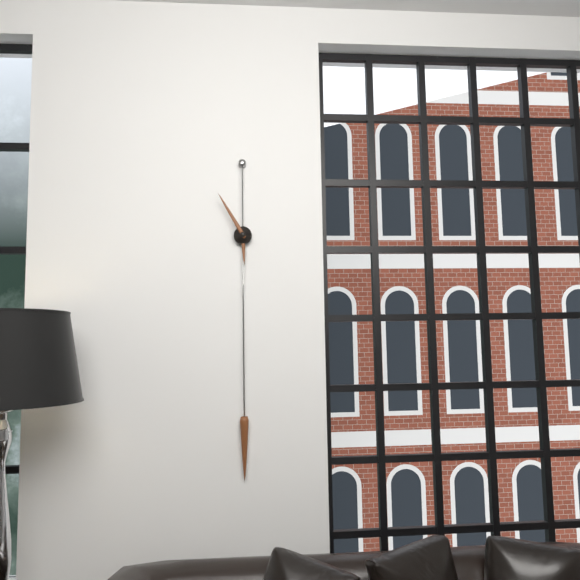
5:55
